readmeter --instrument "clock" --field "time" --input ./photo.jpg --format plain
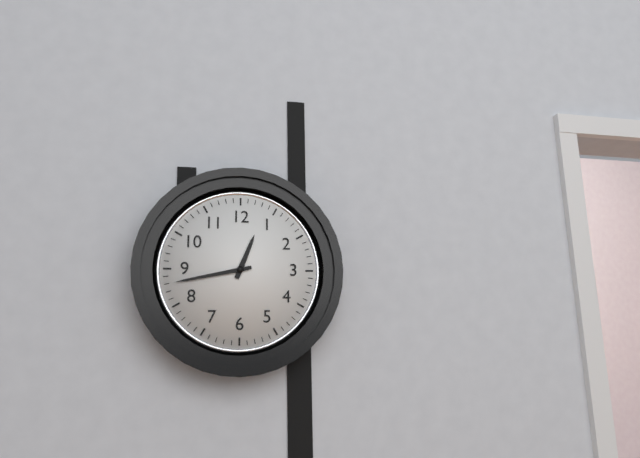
12:43
